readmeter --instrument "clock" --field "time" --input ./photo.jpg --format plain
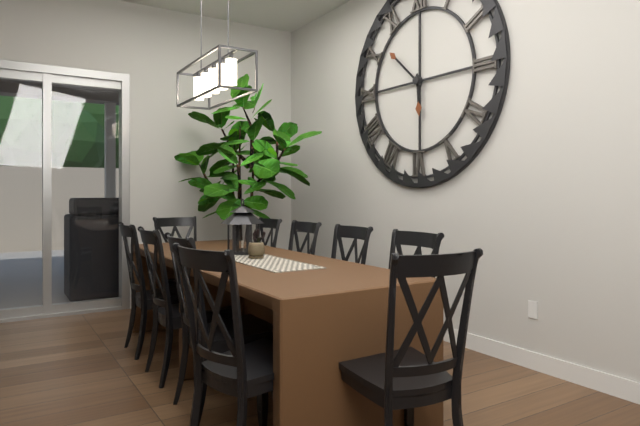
5:52
